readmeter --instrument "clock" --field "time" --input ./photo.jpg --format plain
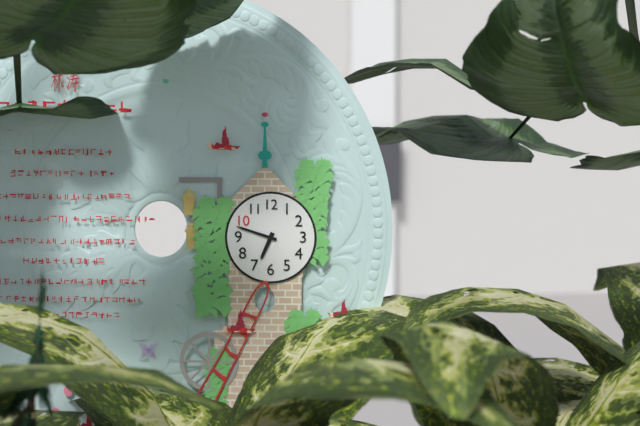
6:48
